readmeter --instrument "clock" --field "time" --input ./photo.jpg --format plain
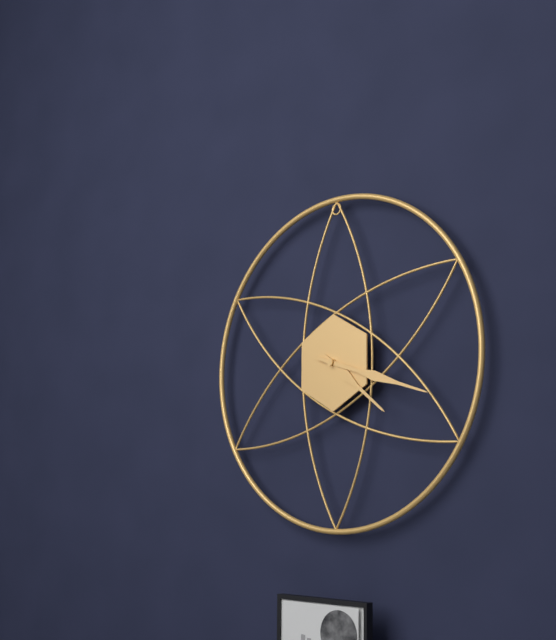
4:18
